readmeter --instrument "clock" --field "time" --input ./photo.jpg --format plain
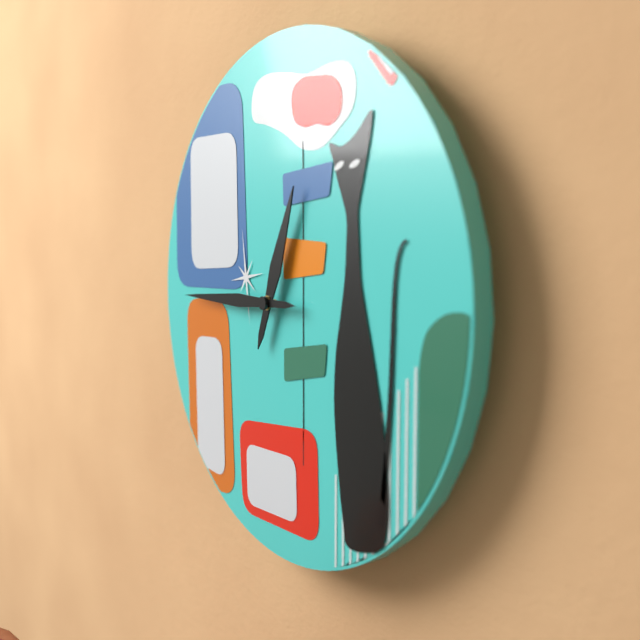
12:45
